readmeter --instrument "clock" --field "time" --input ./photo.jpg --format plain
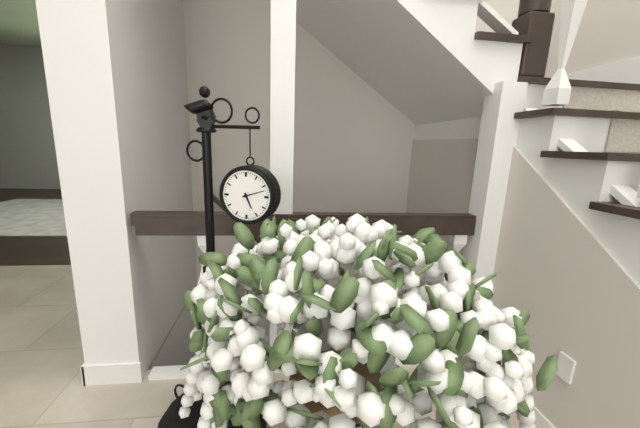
5:12
